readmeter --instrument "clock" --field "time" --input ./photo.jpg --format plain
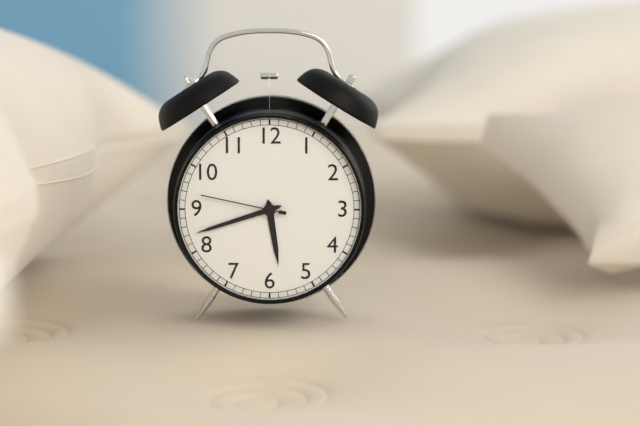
5:42:47
